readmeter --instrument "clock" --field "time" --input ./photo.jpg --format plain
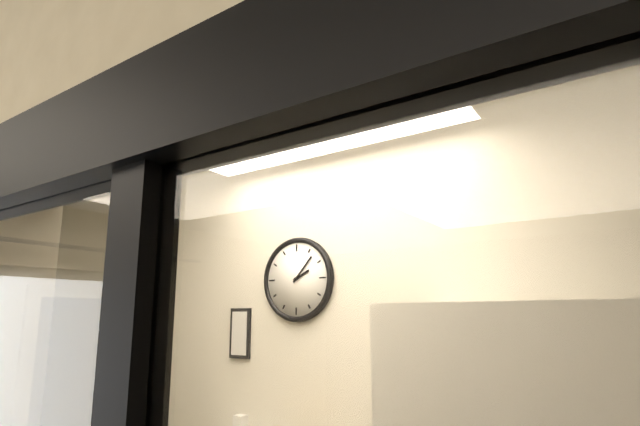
2:07
